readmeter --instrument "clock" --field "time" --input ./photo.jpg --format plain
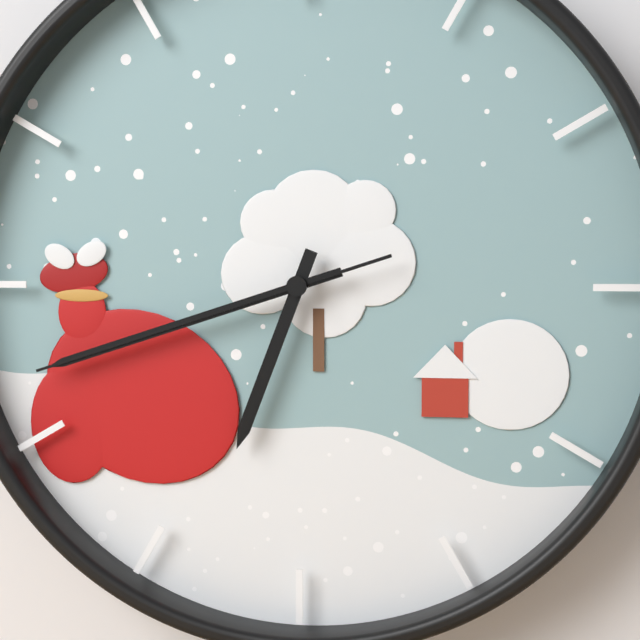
6:42:42
